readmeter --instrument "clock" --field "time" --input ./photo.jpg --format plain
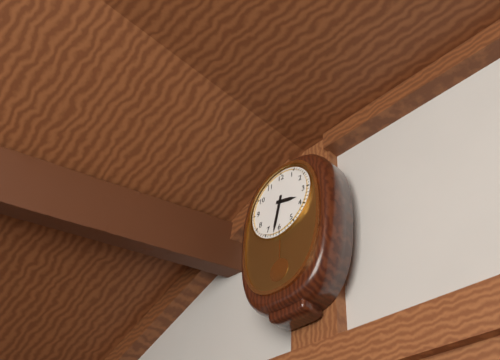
3:32
